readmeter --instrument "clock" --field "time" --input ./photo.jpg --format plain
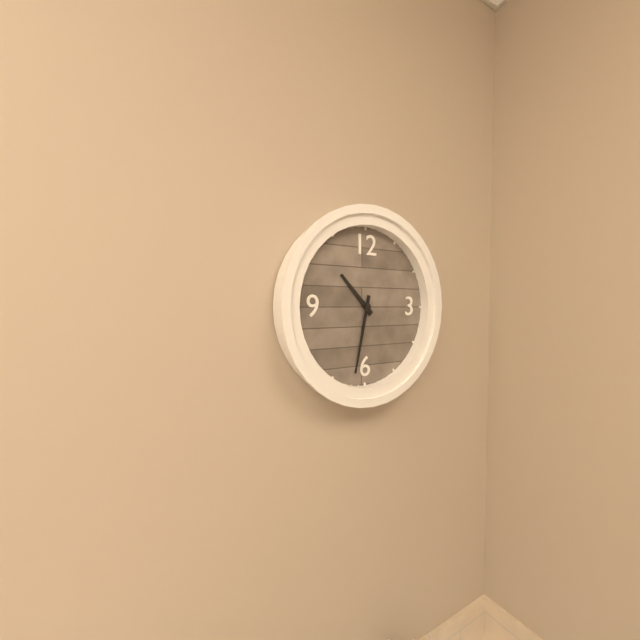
10:32
